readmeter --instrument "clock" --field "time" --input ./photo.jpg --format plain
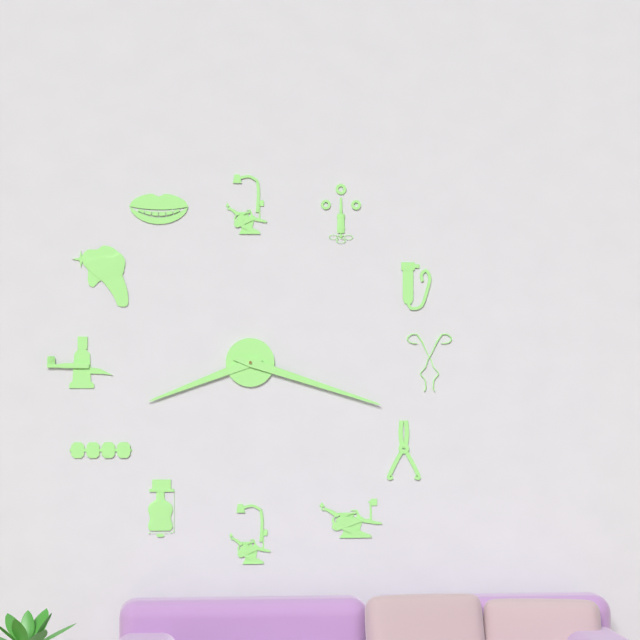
8:18
